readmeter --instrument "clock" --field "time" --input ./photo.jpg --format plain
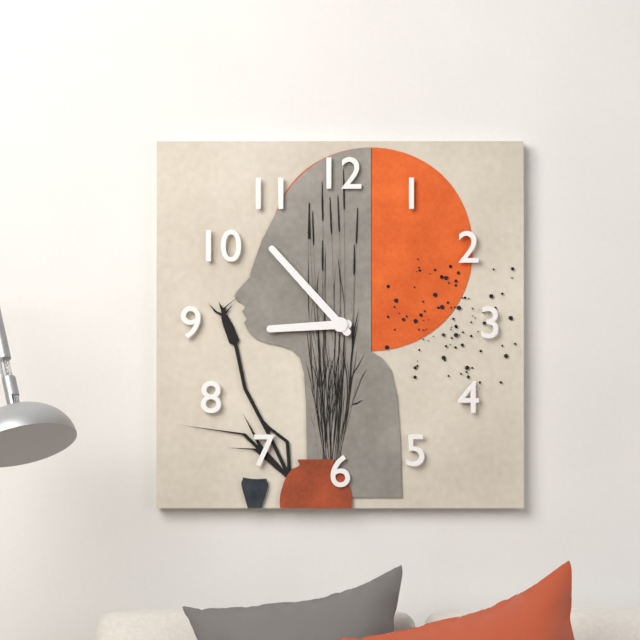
8:53
